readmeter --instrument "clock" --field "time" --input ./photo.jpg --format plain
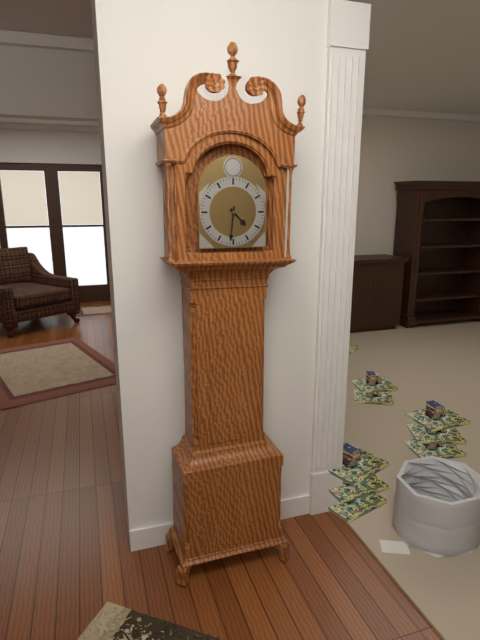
4:31
